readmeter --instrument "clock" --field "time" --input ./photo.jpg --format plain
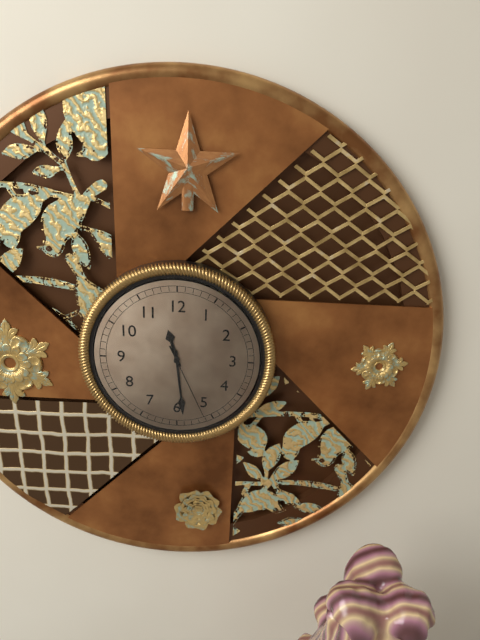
11:29:26
